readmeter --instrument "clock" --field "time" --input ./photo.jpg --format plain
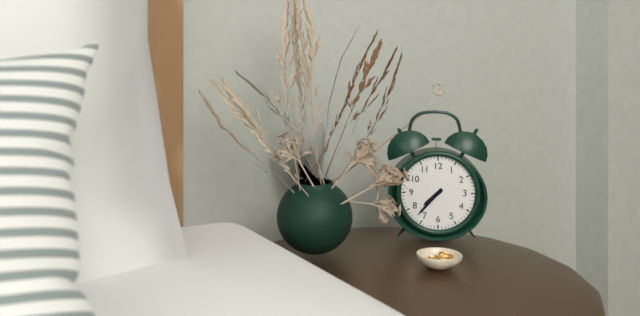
7:37
